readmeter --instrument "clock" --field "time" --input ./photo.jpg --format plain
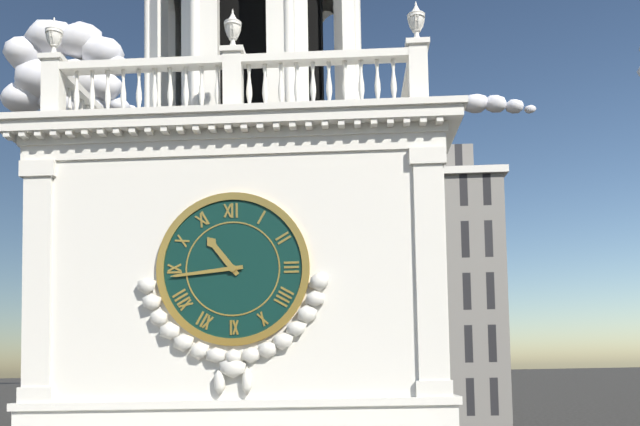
10:44
